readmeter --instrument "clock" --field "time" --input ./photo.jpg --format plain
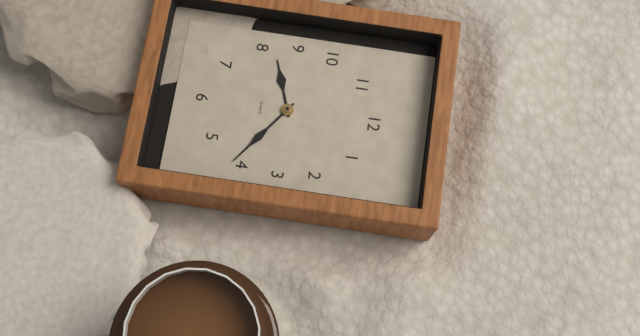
8:21
